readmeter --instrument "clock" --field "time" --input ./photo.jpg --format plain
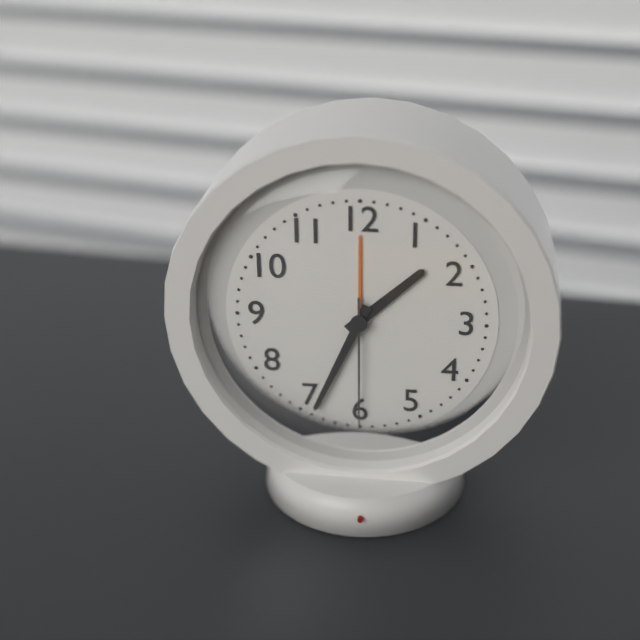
1:34:30
